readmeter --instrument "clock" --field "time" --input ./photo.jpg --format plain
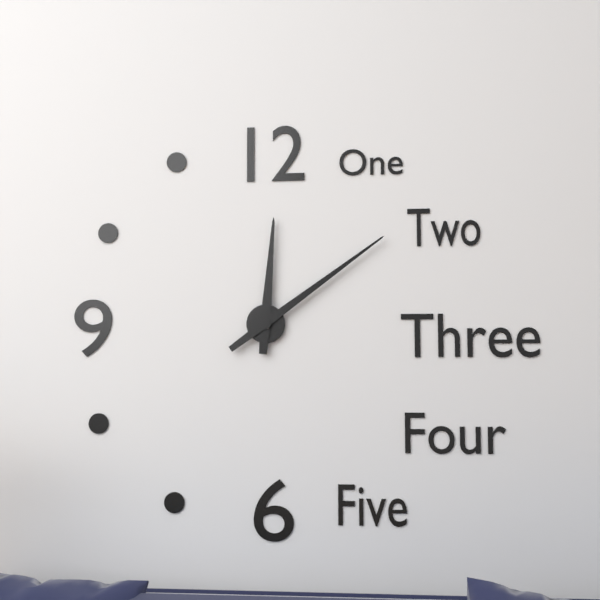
12:09
